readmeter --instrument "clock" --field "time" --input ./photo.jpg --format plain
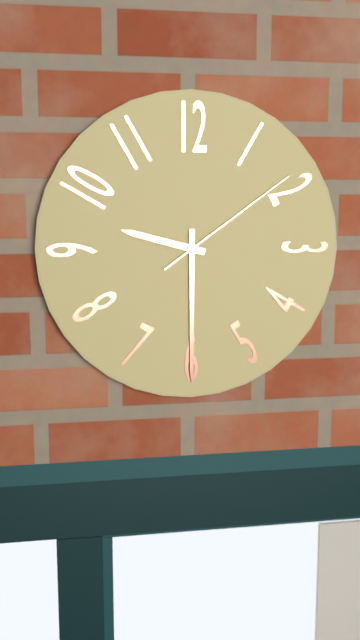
9:30:09
